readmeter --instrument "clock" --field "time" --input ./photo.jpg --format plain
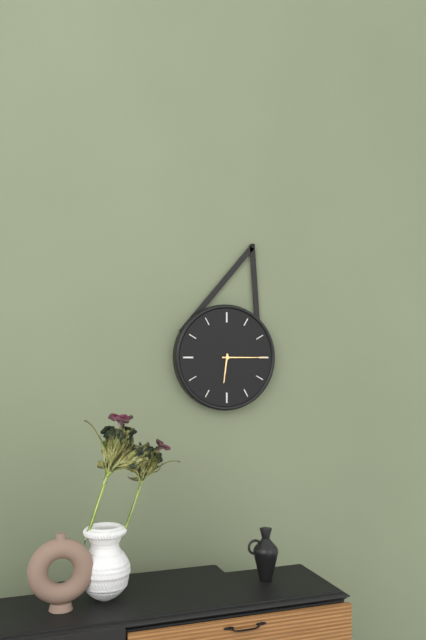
6:15
